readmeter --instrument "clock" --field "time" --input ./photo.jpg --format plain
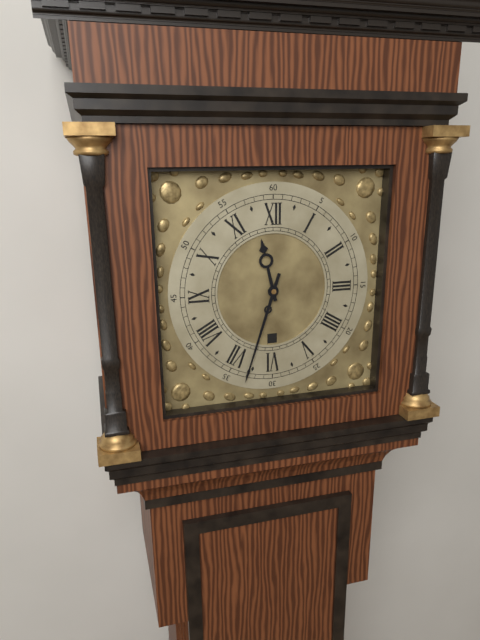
11:33
